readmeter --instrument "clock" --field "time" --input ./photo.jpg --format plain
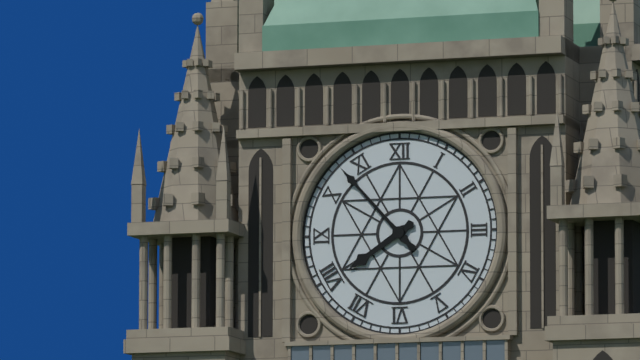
7:53
